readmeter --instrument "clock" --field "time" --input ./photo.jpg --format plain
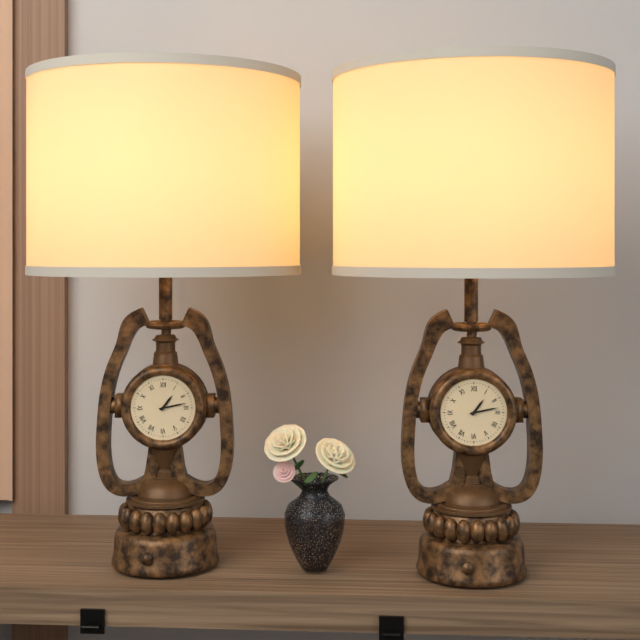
1:13
